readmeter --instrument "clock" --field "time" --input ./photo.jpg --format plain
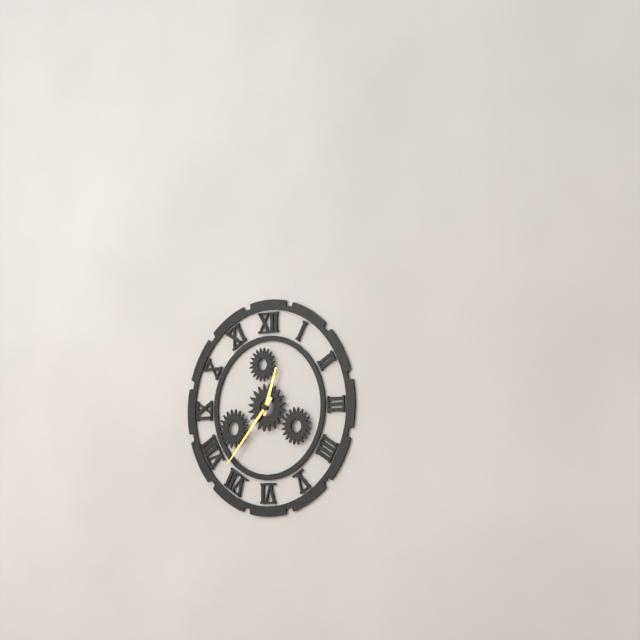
12:37
